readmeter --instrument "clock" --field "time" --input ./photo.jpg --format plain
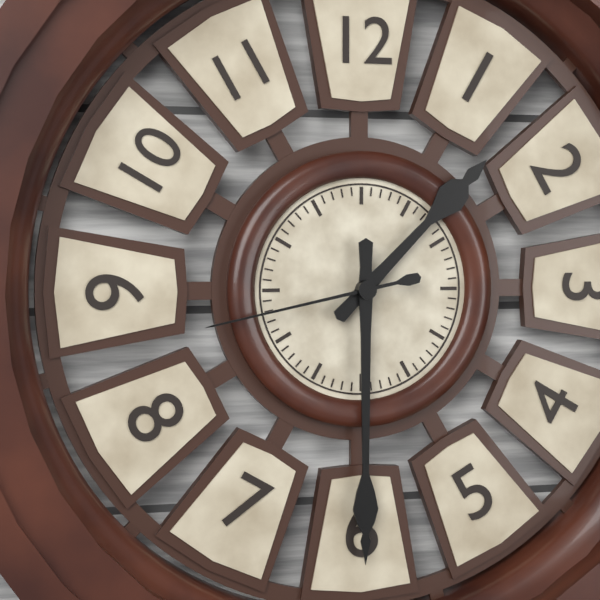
1:30:43
